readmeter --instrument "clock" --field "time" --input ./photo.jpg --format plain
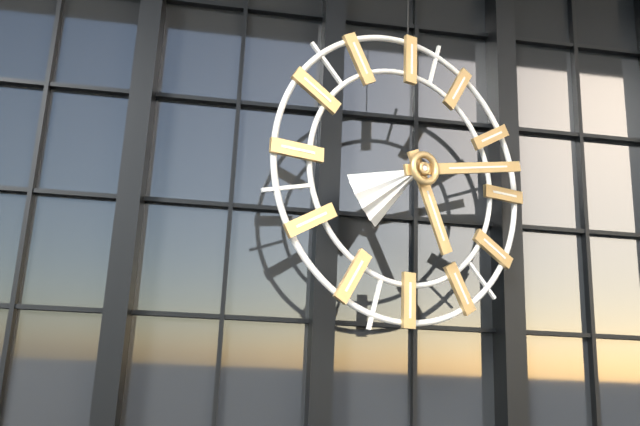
5:13
